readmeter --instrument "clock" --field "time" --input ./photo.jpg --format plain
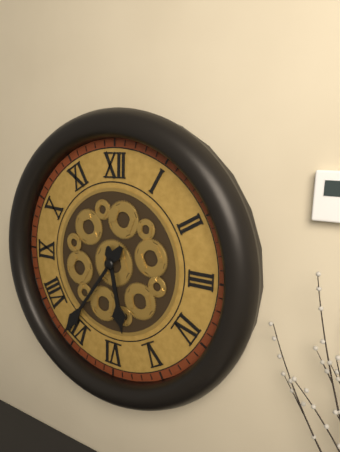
5:36
